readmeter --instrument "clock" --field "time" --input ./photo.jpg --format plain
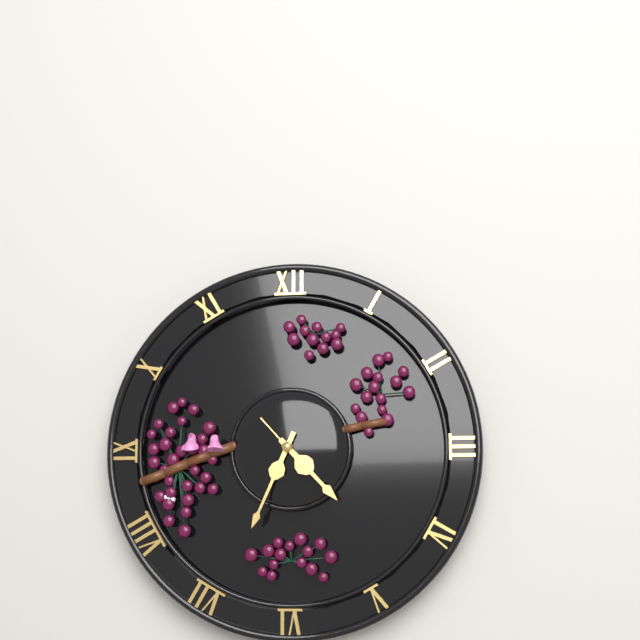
4:34:23
